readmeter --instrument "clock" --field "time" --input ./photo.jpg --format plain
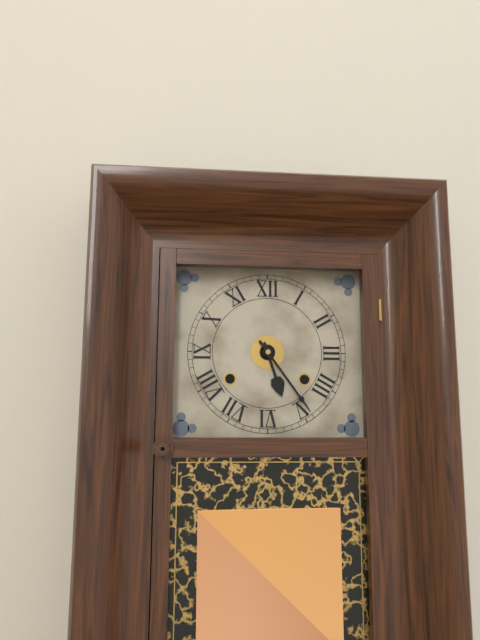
5:24
